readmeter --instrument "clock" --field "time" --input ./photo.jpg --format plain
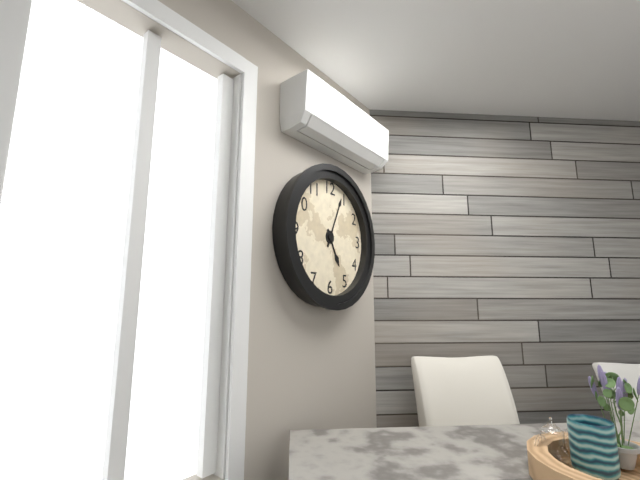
5:04
